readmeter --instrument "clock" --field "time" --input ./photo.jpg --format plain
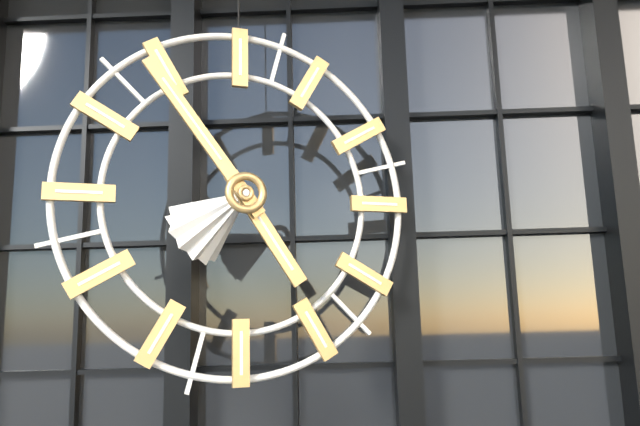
4:54
